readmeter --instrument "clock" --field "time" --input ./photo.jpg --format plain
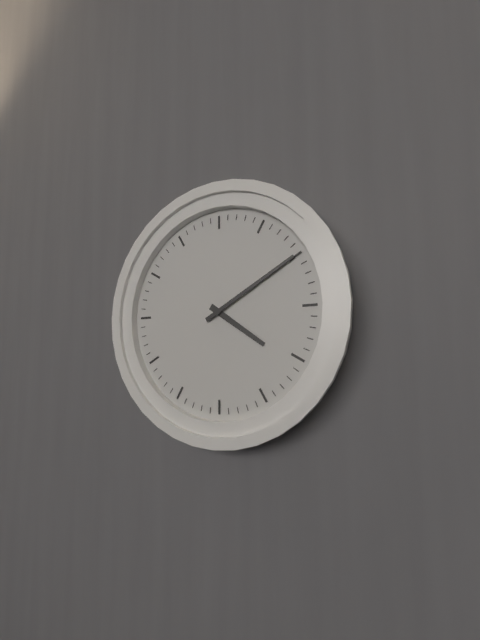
4:10
